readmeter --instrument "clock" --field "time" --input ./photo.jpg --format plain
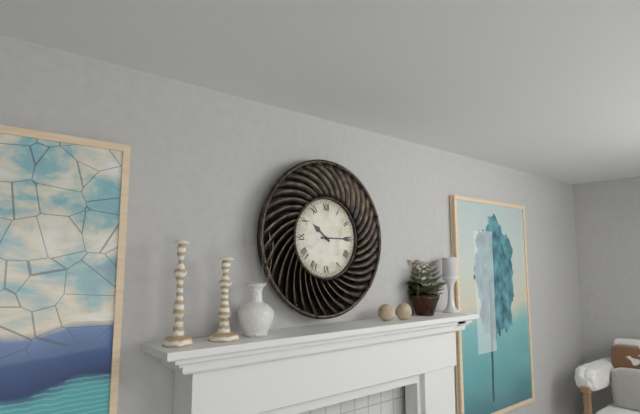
10:15
